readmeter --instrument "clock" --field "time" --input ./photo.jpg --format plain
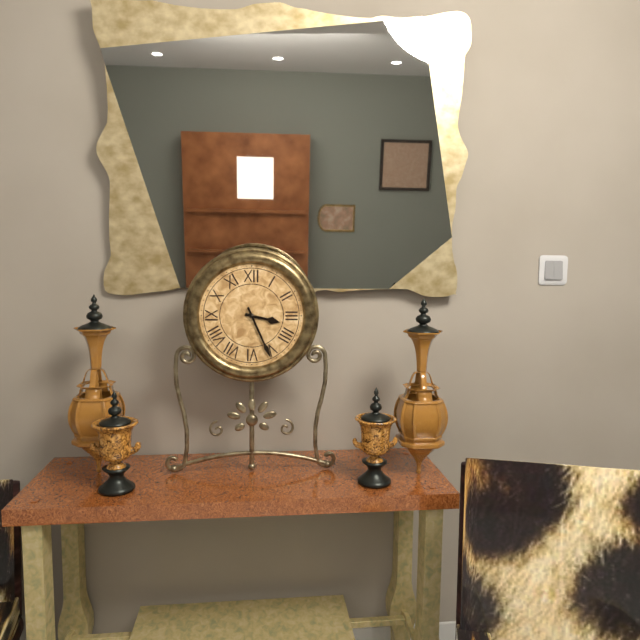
3:26
